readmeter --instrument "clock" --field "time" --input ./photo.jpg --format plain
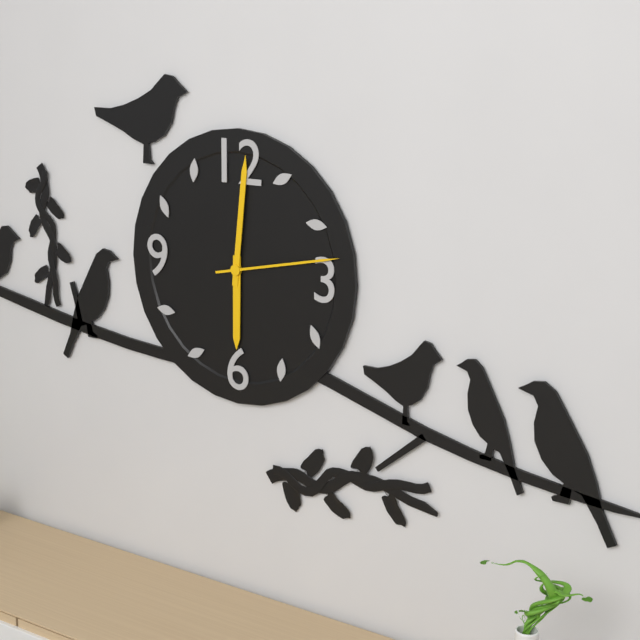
6:01:13
